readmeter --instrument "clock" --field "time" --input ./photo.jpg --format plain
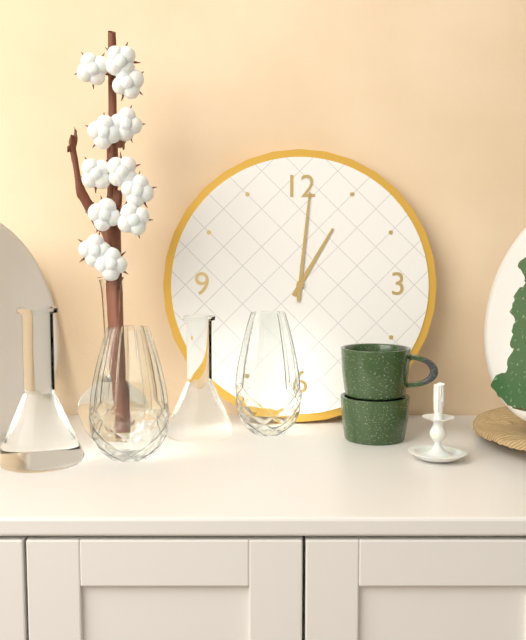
1:01
